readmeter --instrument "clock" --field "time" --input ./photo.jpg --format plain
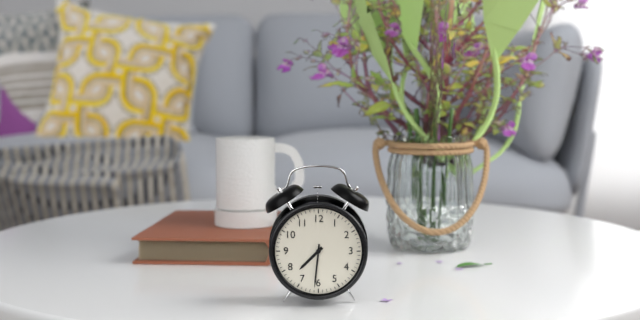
7:31
